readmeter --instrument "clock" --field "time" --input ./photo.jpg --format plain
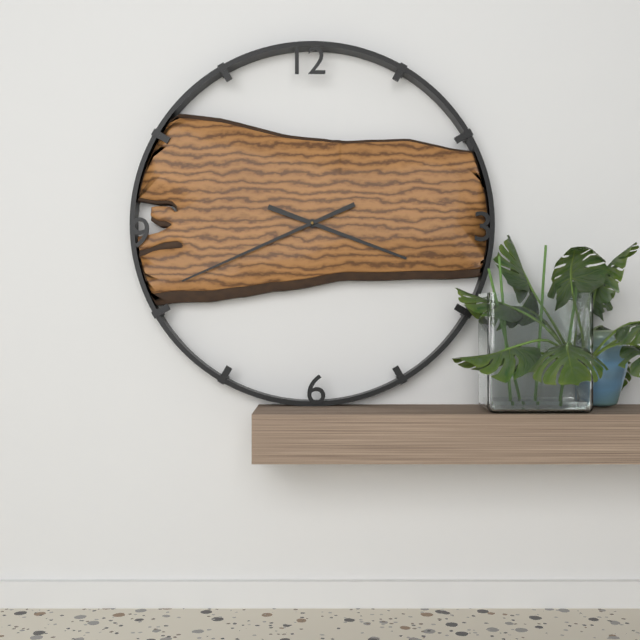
3:41
